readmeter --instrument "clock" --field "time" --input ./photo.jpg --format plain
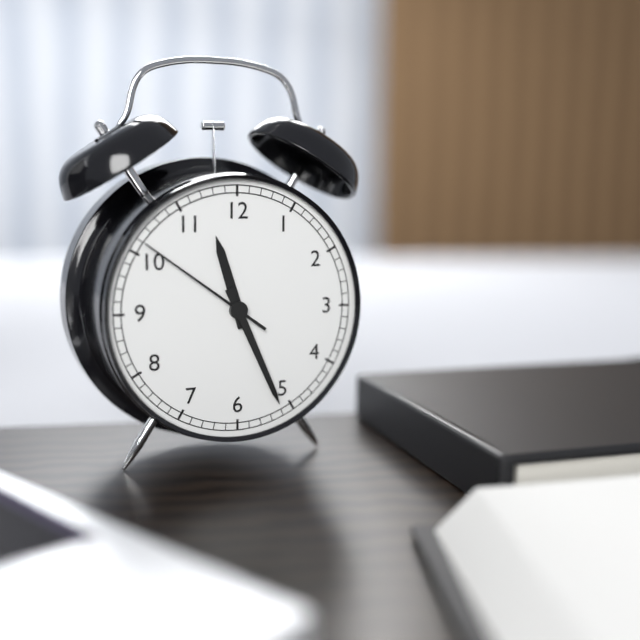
11:26:51
